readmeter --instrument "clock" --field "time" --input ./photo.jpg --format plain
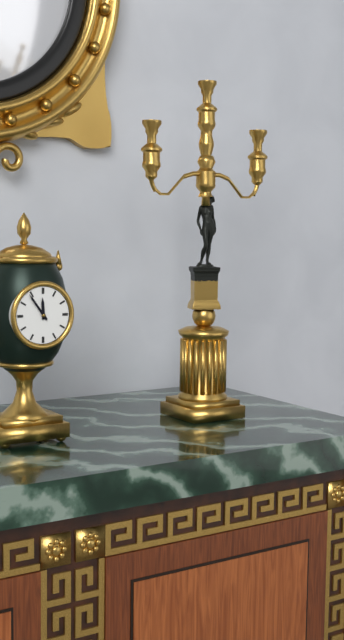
11:54
